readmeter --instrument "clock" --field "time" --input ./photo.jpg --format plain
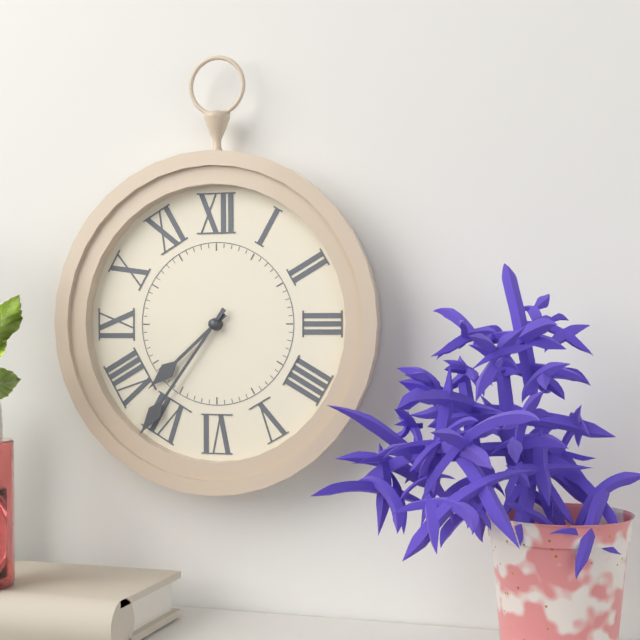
7:36
